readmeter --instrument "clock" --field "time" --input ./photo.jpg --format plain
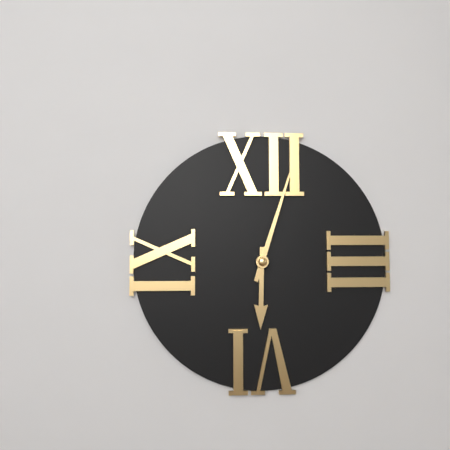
6:03
